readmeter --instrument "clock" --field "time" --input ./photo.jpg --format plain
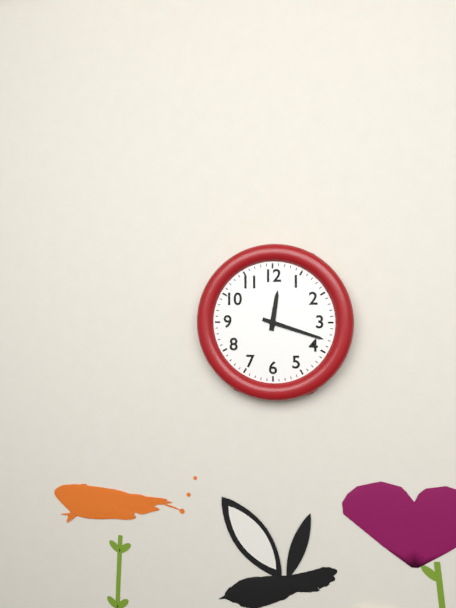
12:18
